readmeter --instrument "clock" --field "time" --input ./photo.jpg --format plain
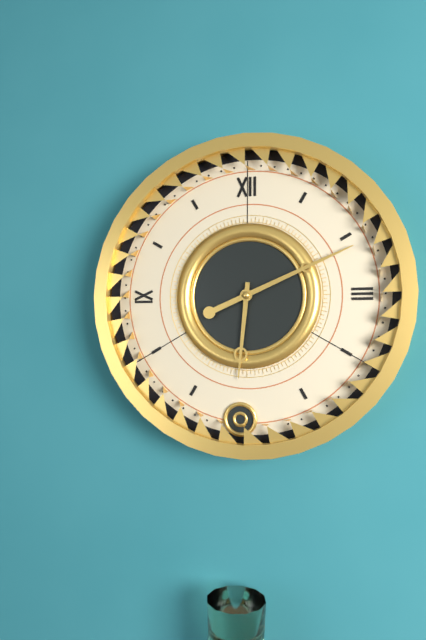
6:11
